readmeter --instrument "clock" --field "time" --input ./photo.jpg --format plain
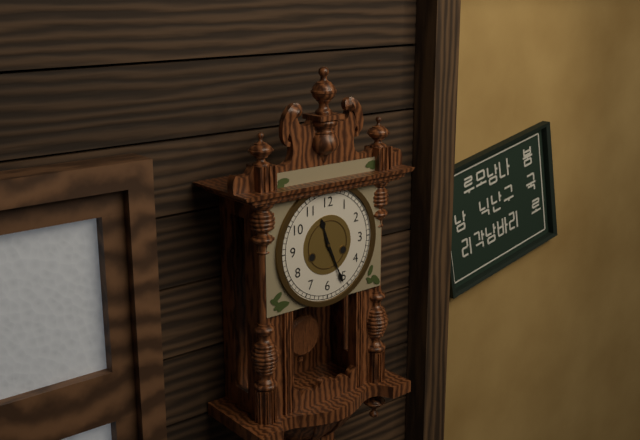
11:26
